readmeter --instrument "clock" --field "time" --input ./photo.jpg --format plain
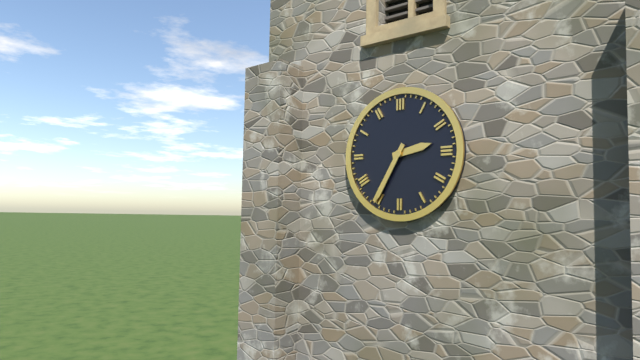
2:35
